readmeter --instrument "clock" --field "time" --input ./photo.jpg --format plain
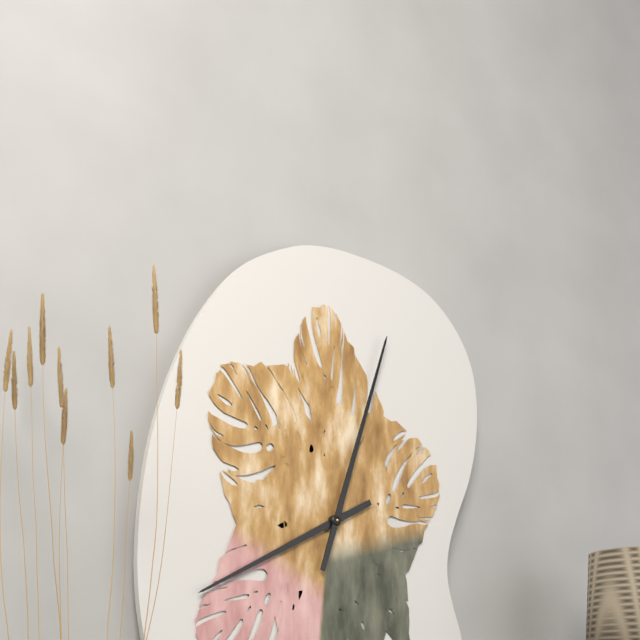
8:03
